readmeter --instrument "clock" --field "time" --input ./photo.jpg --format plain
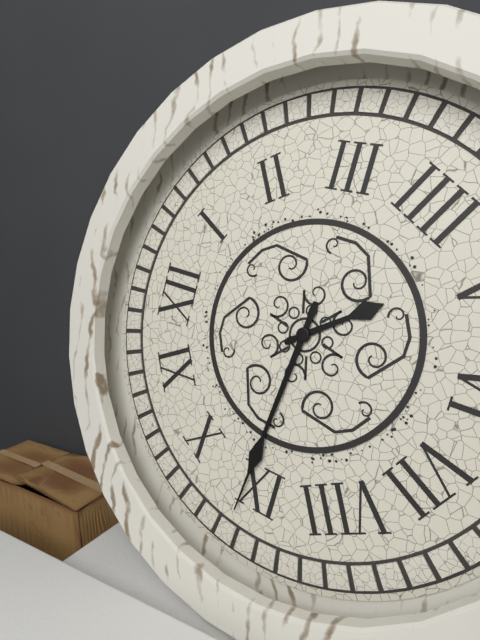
4:46
